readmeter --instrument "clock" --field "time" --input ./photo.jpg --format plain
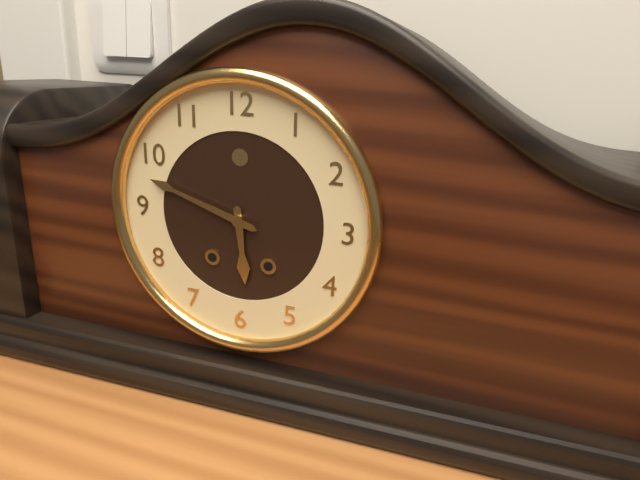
5:48
